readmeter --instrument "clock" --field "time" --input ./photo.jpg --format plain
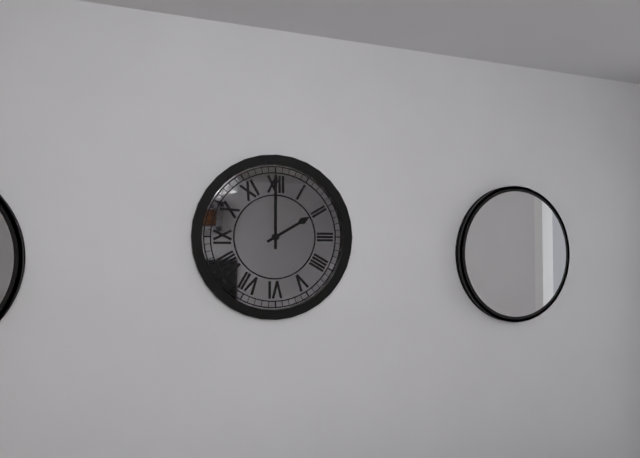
2:00
